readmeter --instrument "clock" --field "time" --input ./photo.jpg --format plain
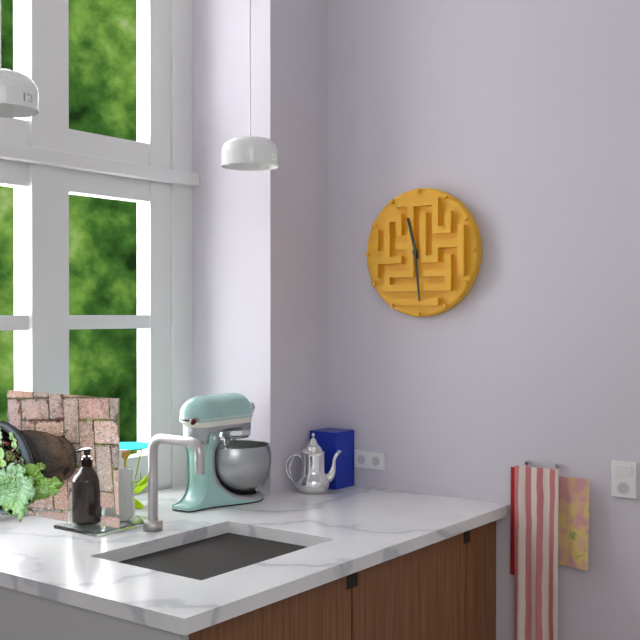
11:29
